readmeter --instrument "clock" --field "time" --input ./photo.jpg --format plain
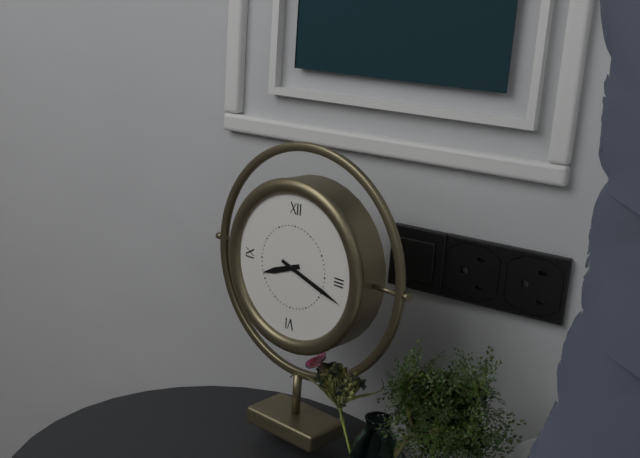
8:18
